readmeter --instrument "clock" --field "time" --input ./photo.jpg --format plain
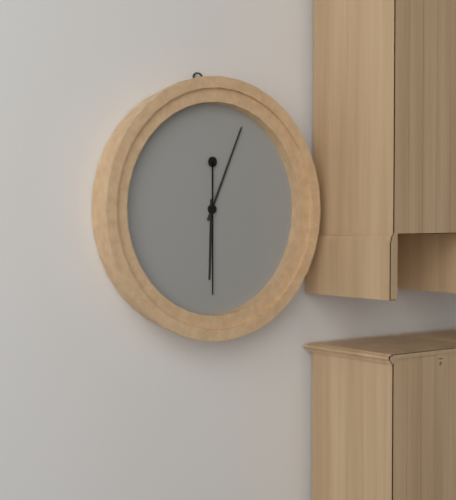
6:04:30
